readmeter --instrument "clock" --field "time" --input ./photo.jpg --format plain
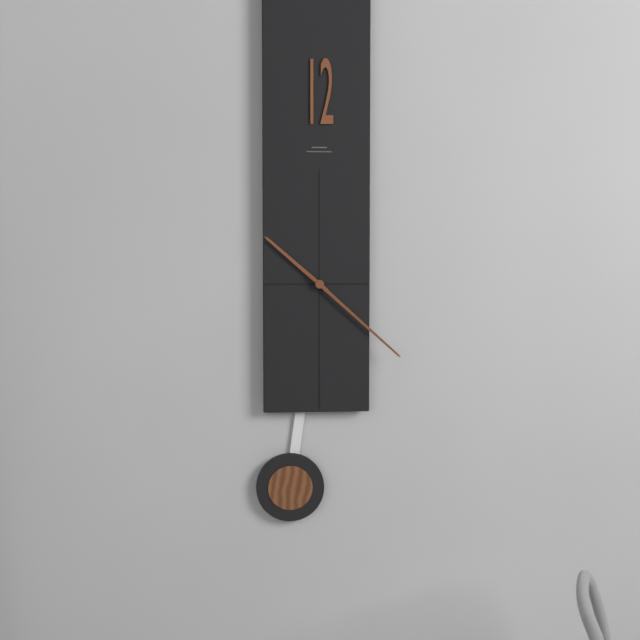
10:22
